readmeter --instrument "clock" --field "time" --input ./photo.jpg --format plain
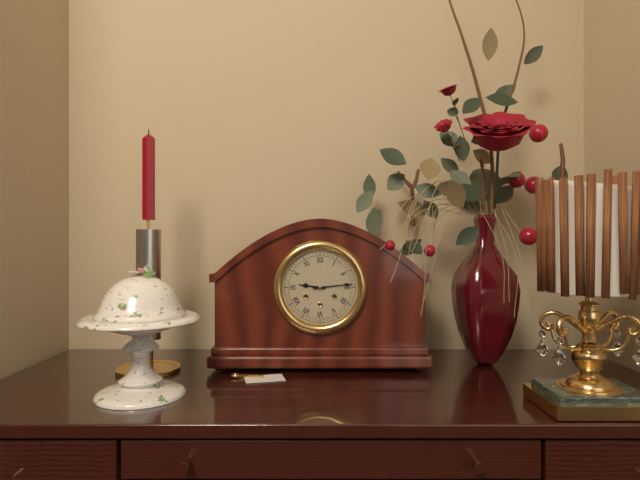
9:14
